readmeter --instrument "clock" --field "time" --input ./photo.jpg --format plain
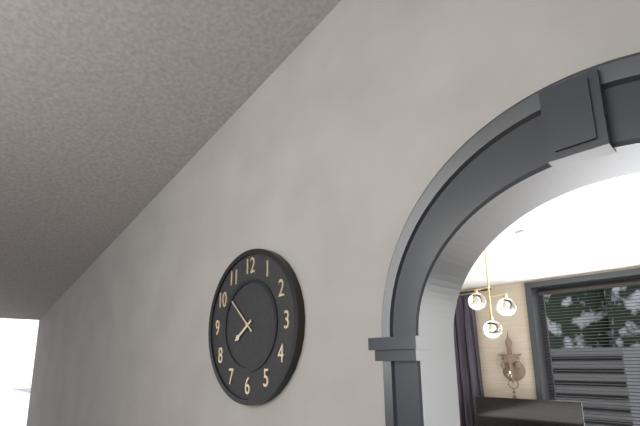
7:52
